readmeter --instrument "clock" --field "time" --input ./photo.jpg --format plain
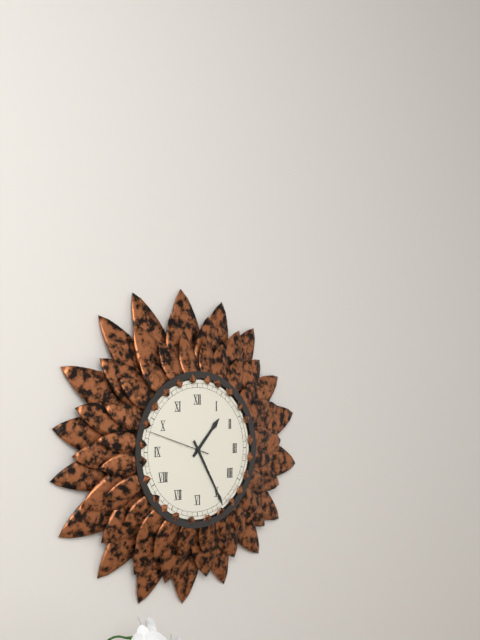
1:25:48
